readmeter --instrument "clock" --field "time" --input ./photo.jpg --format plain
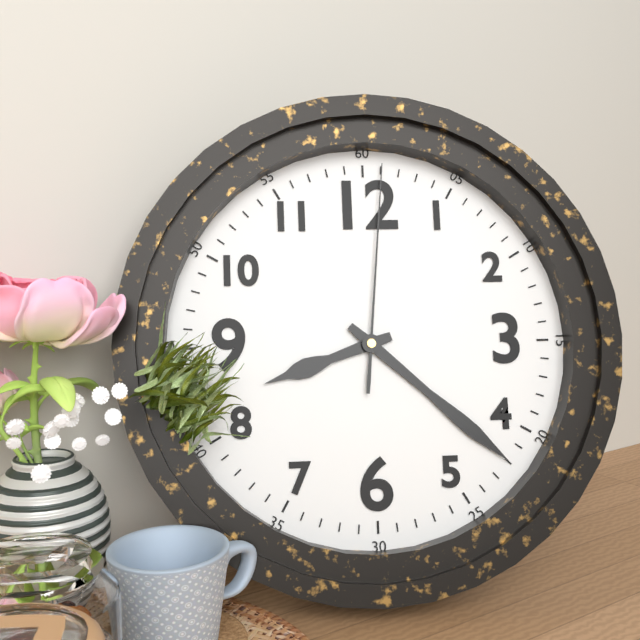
8:22:01
